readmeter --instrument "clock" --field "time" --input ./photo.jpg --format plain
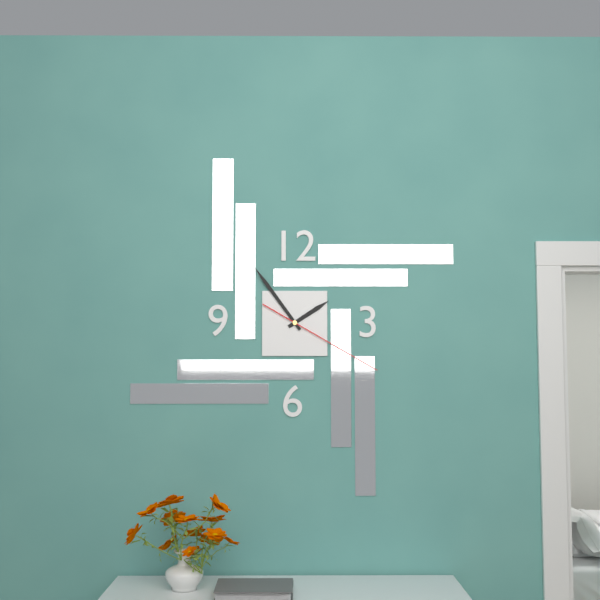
1:54:20
